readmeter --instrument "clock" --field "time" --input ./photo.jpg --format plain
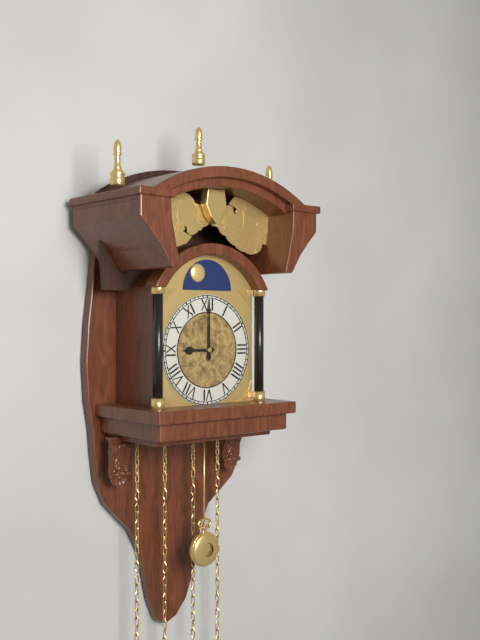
9:00
